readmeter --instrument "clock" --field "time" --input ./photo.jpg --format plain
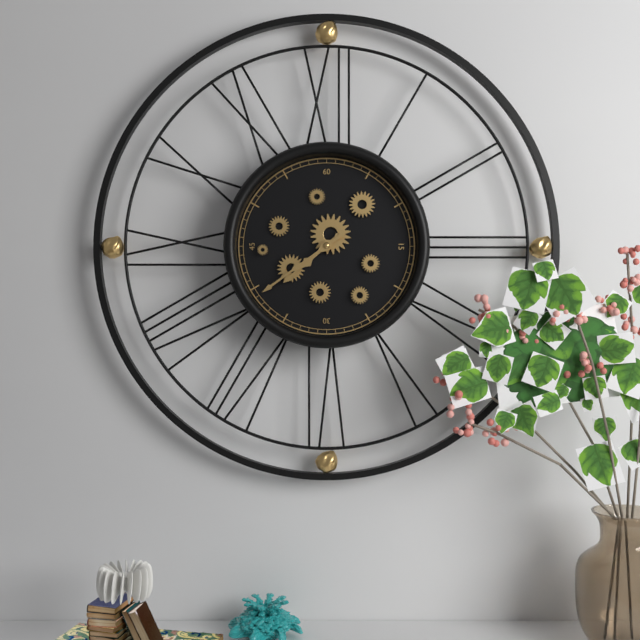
7:39
